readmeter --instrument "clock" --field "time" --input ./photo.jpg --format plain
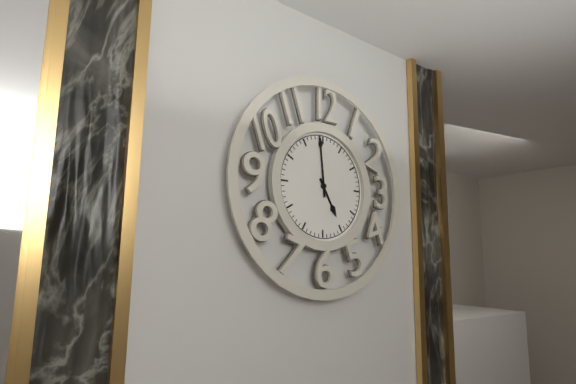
4:59
